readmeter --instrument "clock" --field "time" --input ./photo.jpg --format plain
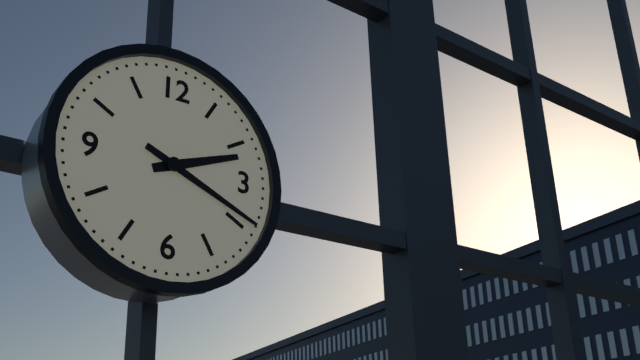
2:19
